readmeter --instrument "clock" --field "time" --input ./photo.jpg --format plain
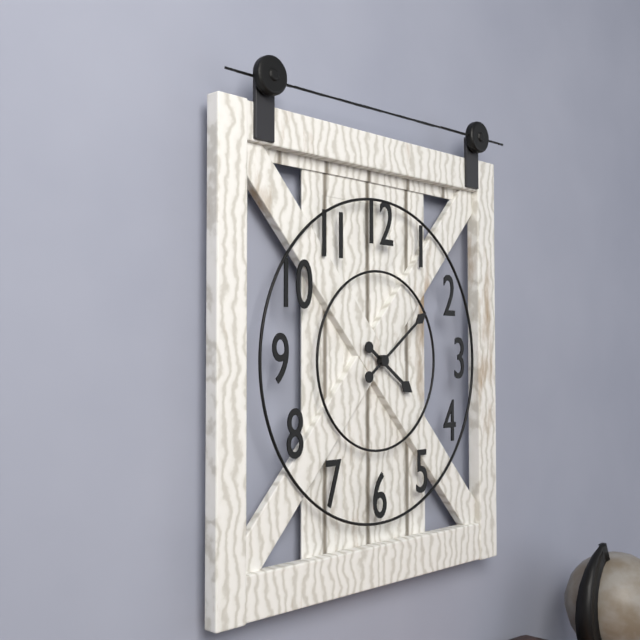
4:09
